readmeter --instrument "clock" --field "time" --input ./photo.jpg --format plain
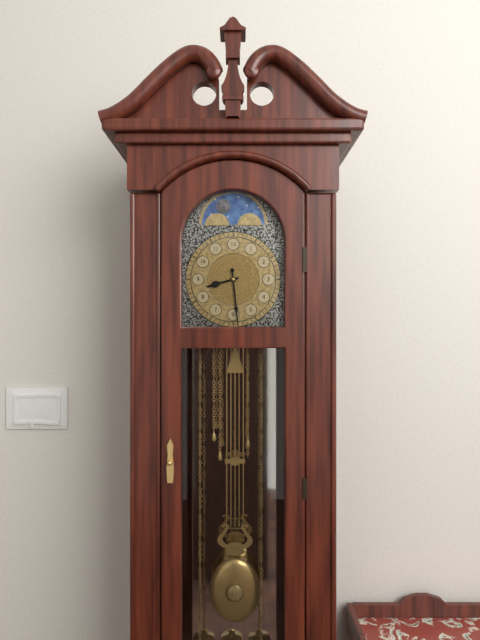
8:29
